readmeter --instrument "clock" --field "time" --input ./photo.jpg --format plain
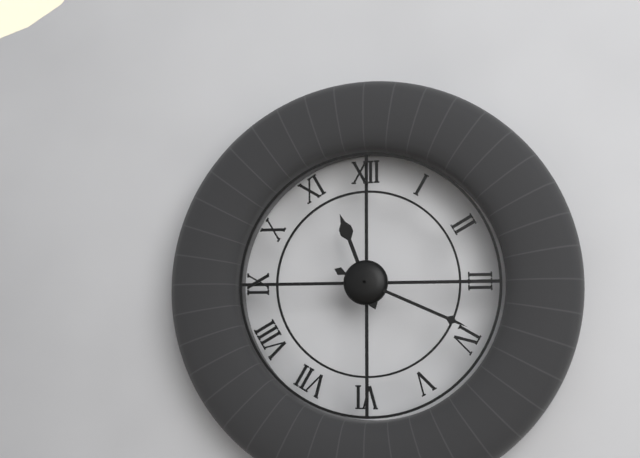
11:19
